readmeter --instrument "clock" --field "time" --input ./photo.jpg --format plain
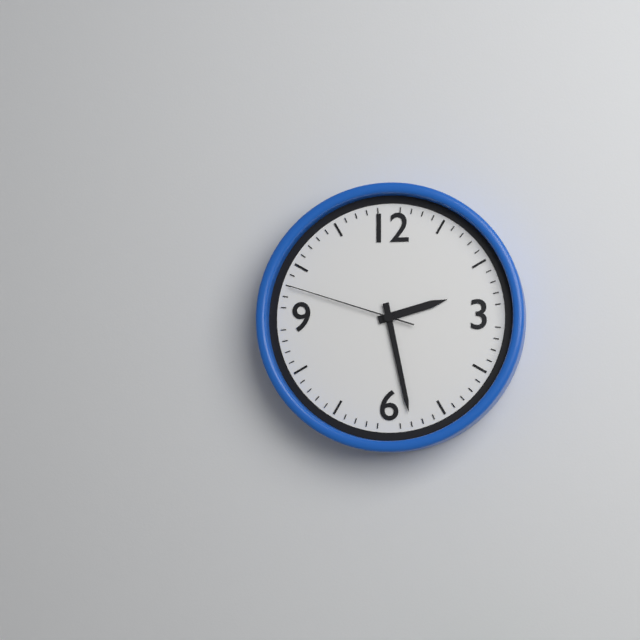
2:28:48
